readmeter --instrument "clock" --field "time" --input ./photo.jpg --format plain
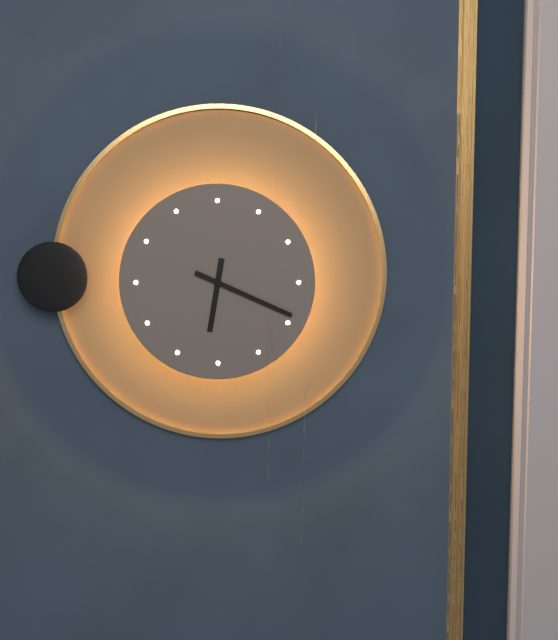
6:19
